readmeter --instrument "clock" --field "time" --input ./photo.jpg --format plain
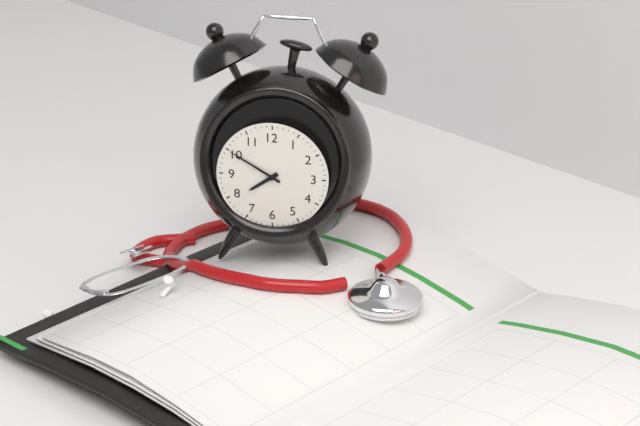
7:50
